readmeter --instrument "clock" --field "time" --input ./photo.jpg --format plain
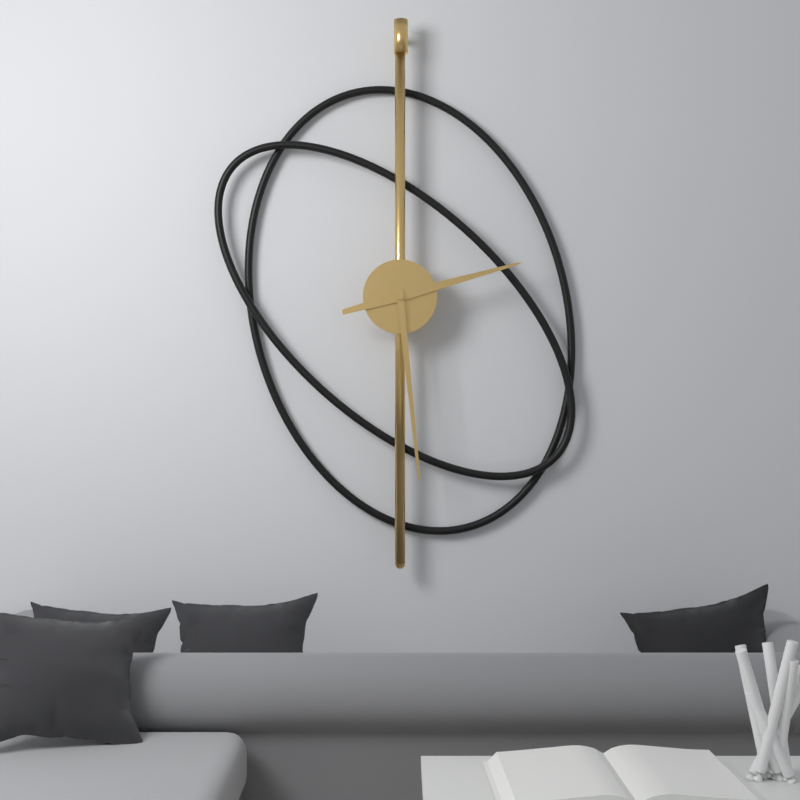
2:29
